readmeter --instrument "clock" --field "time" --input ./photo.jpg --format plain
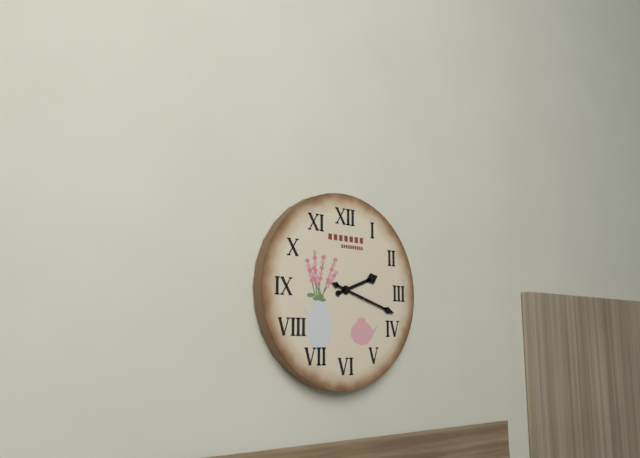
2:18
